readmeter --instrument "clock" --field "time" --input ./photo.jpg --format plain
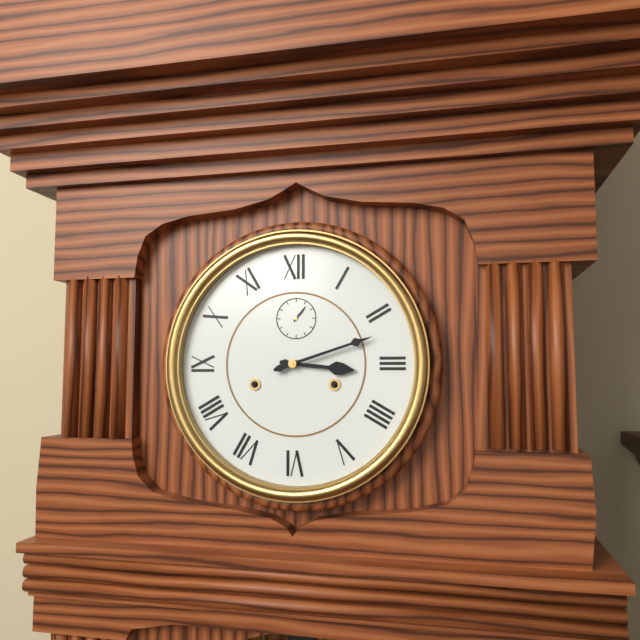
3:12
